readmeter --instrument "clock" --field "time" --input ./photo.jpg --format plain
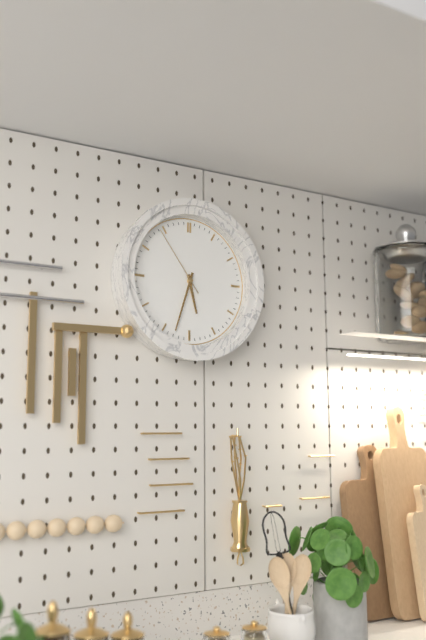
5:33:54
